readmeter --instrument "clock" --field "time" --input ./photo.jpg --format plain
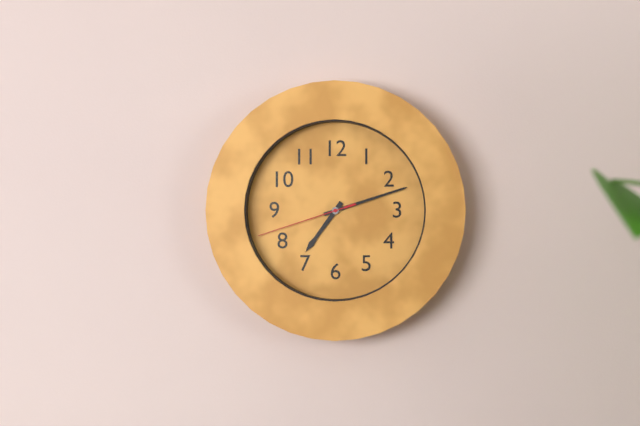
7:12:42
